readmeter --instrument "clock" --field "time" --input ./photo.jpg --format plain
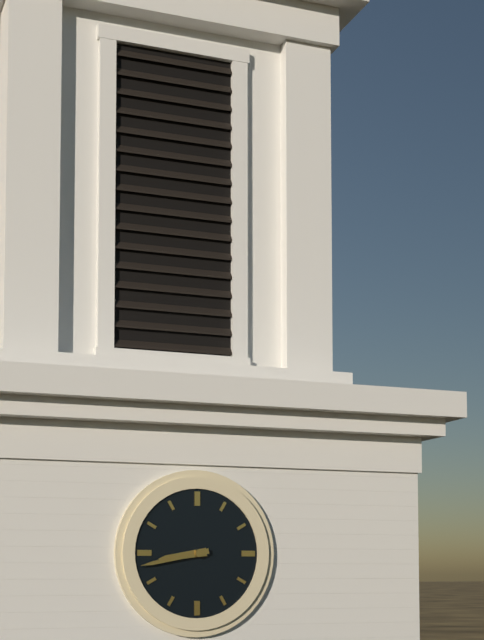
8:43
